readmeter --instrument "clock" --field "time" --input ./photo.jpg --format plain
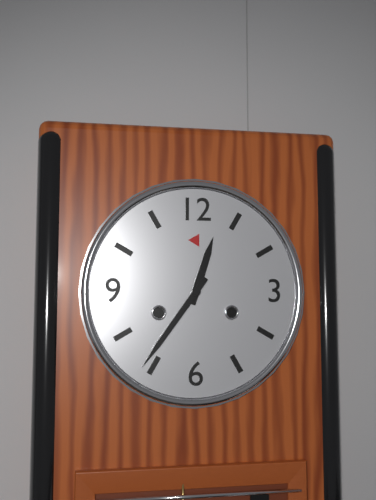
12:36
